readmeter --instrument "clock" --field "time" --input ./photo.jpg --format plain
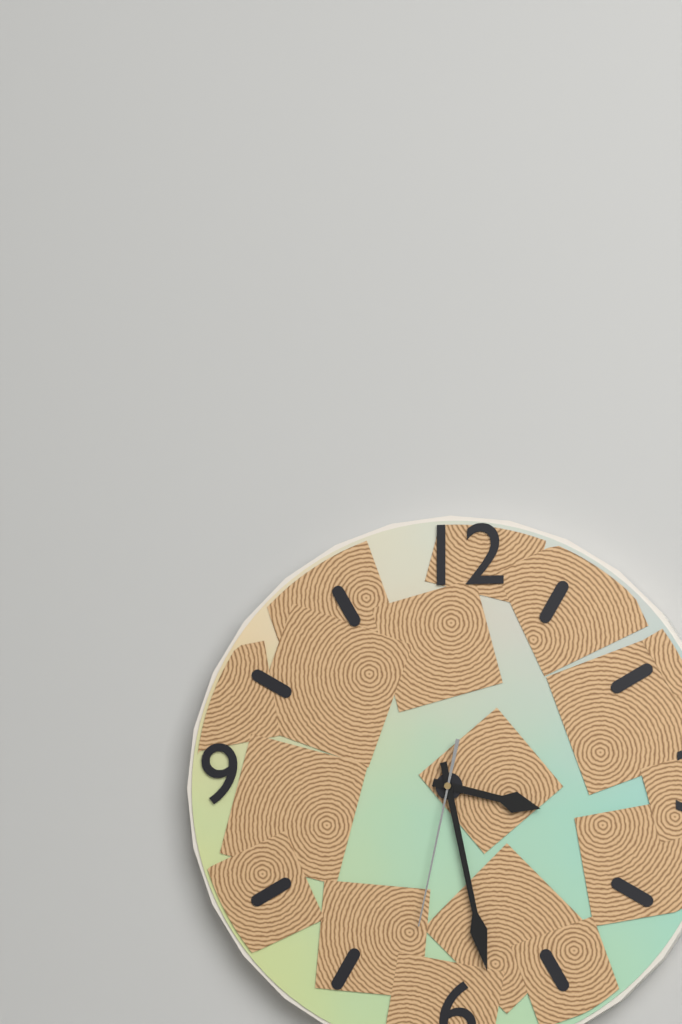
3:28:32
